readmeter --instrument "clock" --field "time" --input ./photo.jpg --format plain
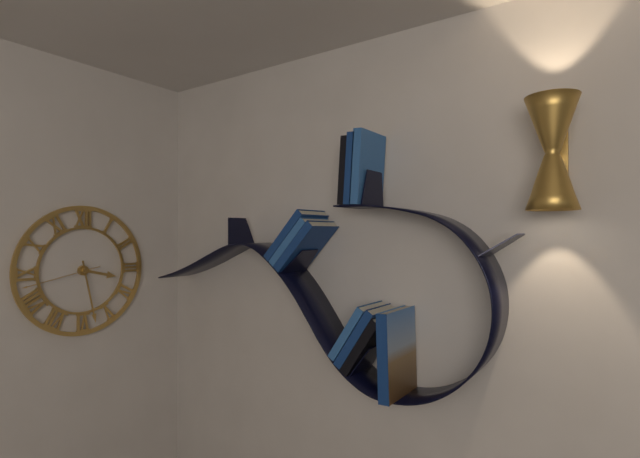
3:28:43
